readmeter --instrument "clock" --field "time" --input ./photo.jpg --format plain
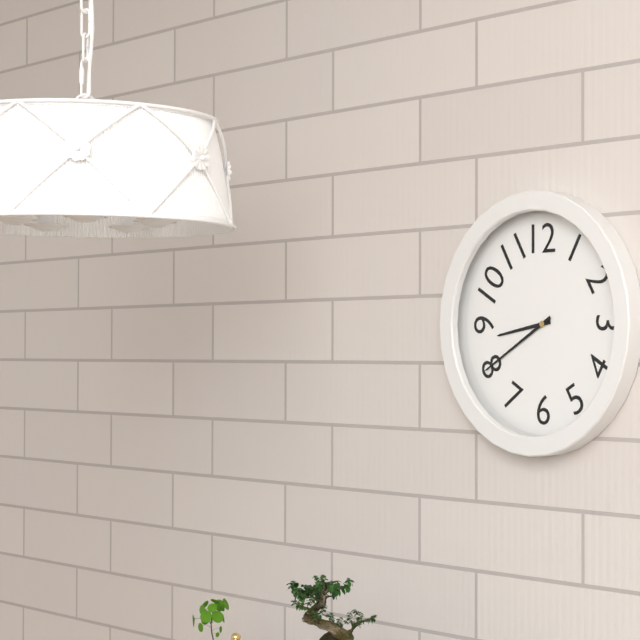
8:40
